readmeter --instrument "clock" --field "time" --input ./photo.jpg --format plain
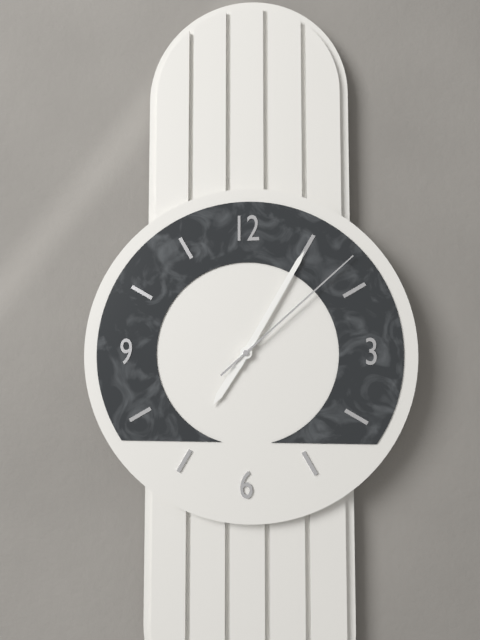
7:05:08
